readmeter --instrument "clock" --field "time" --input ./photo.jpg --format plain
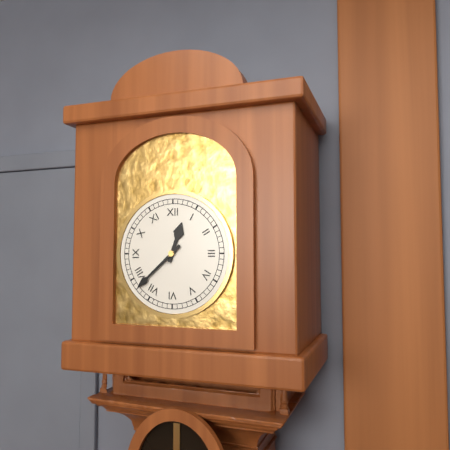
12:38
